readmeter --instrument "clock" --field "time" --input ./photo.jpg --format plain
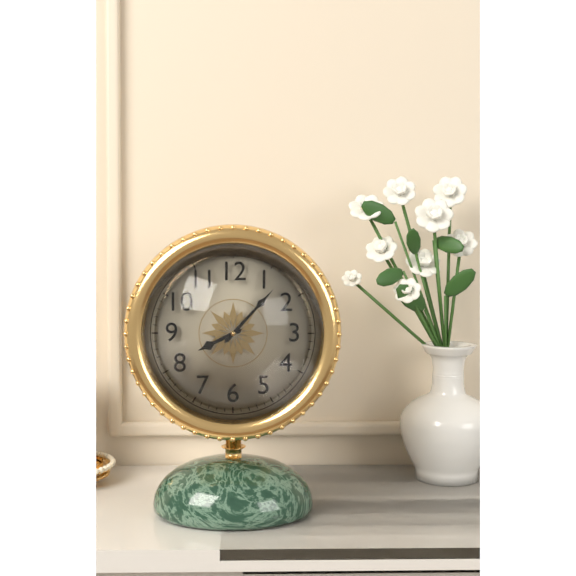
8:07
